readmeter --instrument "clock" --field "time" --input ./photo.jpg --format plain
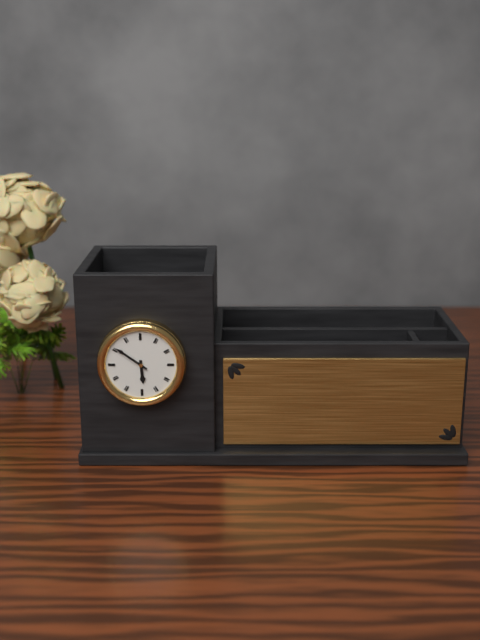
5:51
